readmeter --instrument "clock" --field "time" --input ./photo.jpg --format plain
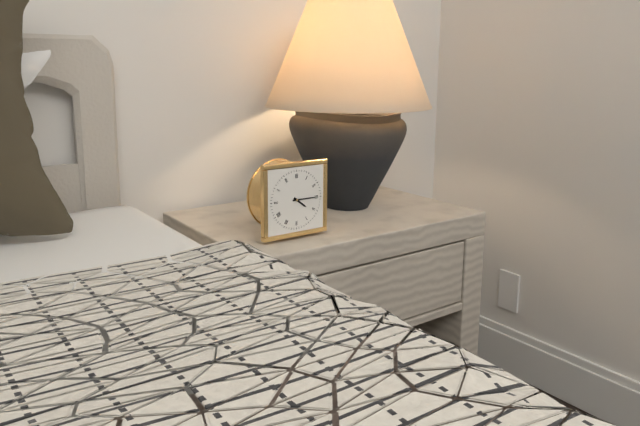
4:15
